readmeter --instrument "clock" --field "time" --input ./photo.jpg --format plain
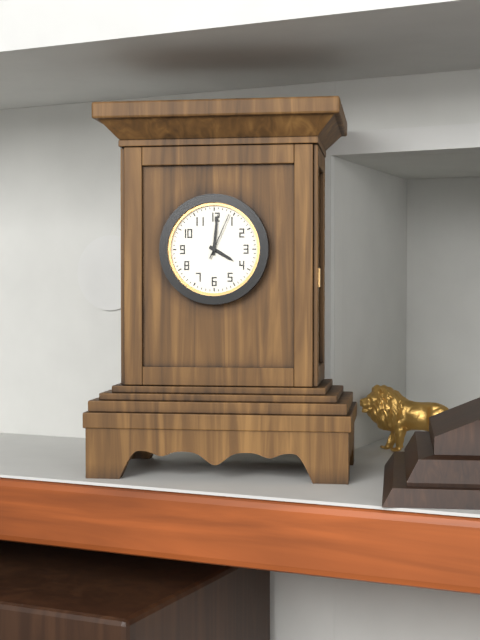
4:01
